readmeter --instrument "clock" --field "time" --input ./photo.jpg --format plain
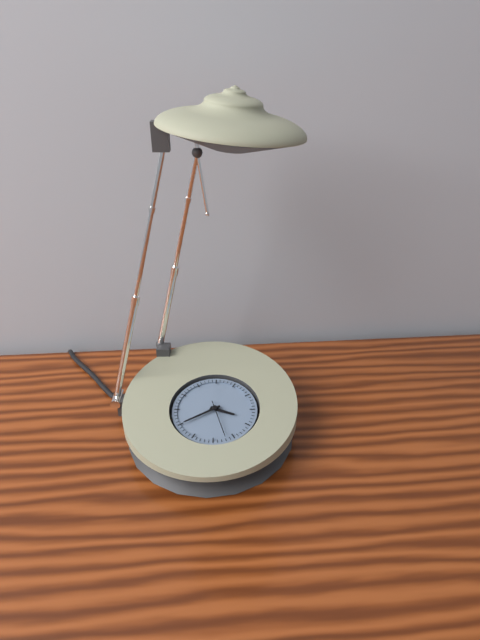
3:40
